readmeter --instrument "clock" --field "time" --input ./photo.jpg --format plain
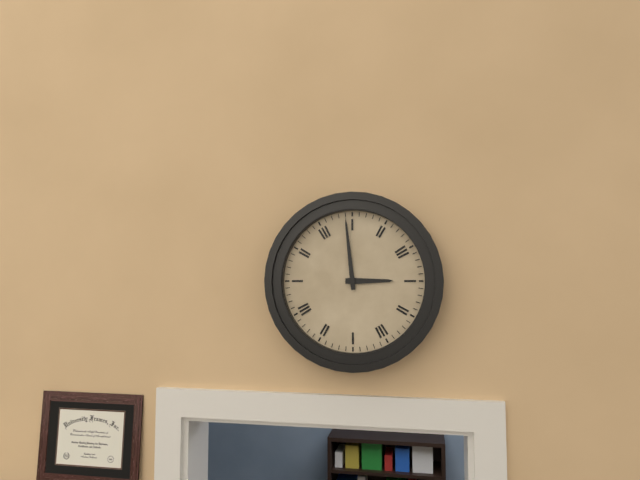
2:59
